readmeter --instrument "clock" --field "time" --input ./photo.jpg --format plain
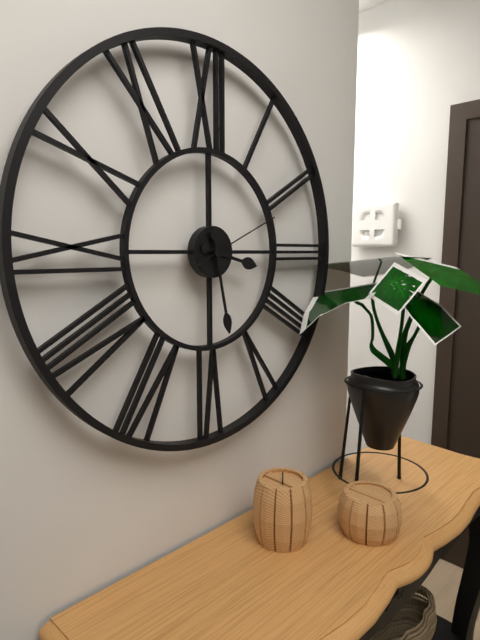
3:28:11
